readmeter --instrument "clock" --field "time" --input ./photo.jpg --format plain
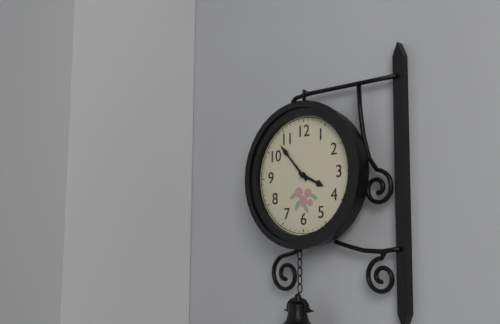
3:53
